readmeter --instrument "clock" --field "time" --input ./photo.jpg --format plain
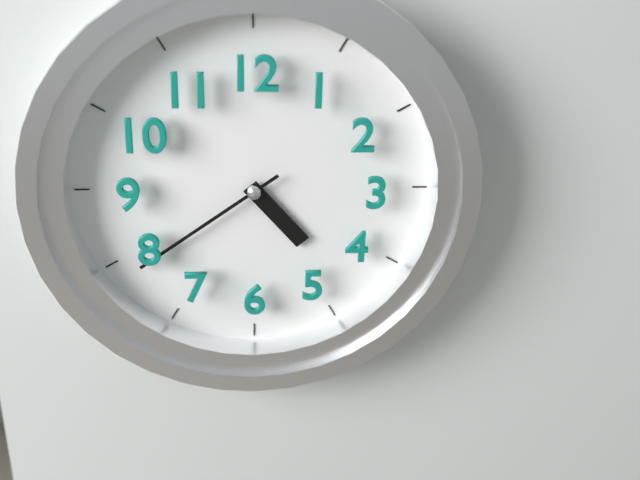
4:39
